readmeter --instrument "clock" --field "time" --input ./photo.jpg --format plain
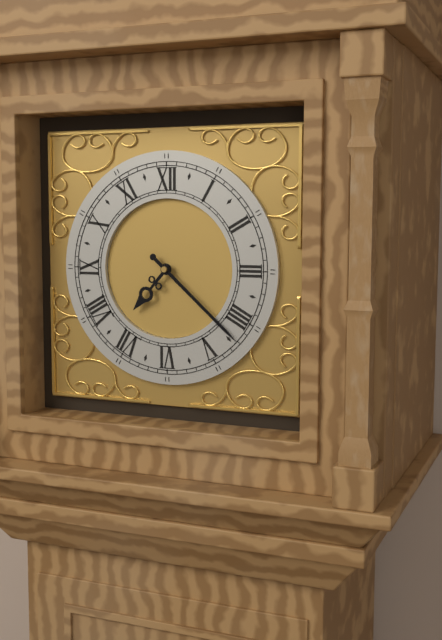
7:22
